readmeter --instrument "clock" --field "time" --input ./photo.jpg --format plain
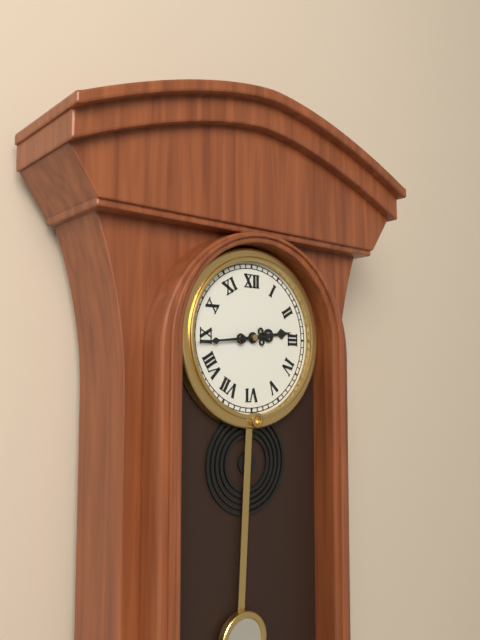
2:44
